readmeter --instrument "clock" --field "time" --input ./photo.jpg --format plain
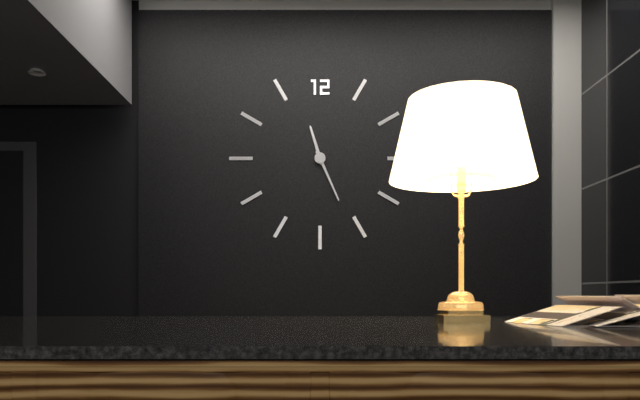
11:26
